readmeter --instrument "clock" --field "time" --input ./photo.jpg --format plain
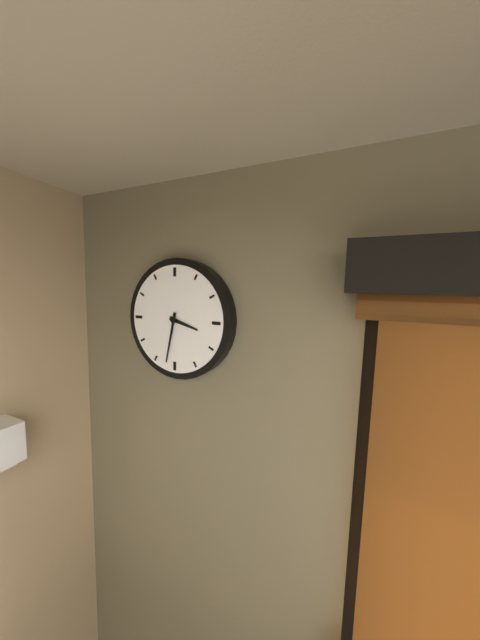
3:32
